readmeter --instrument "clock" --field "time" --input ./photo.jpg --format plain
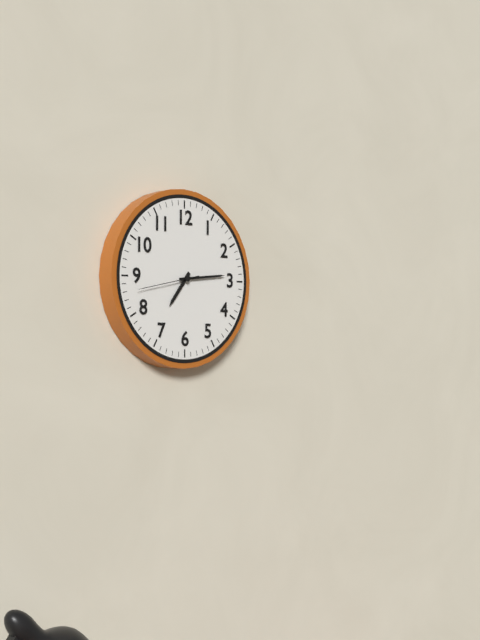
7:14:43
